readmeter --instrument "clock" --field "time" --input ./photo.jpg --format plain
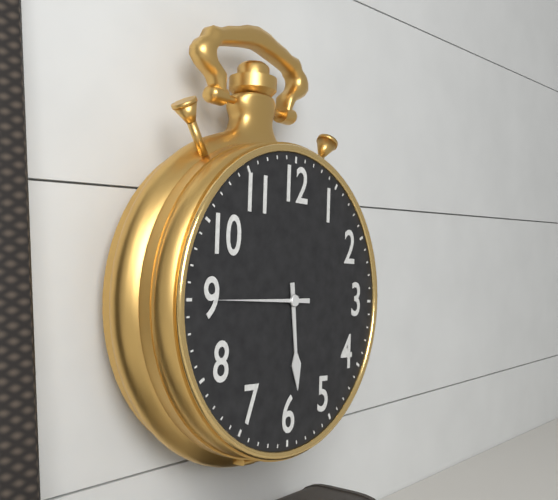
5:45
